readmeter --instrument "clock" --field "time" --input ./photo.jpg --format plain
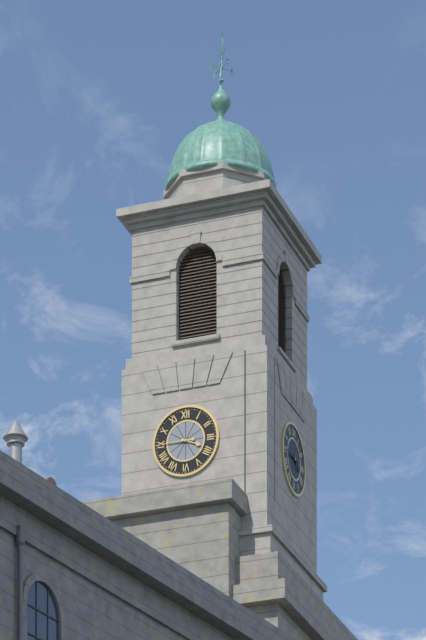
3:45
